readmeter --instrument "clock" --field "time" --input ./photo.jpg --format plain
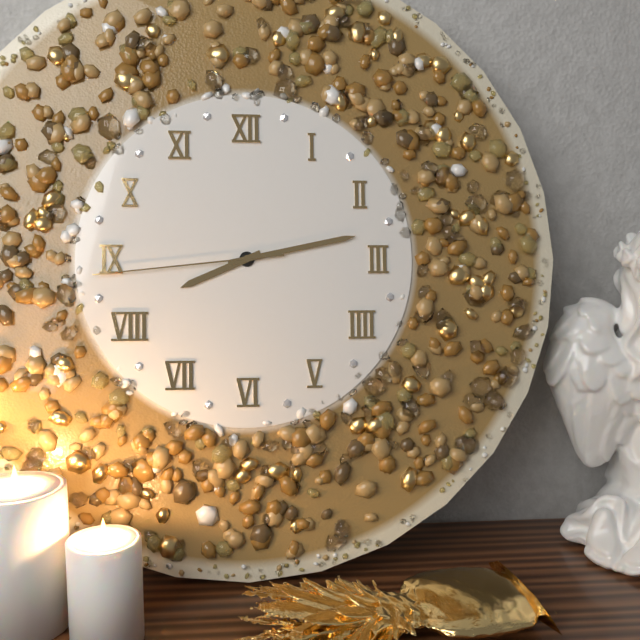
8:13:44
